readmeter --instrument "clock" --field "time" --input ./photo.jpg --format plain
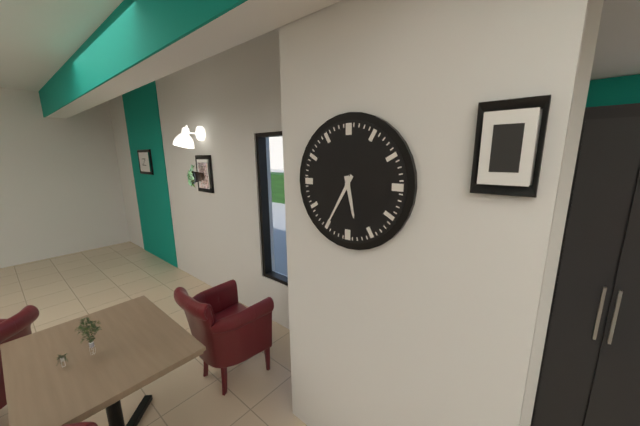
5:35
